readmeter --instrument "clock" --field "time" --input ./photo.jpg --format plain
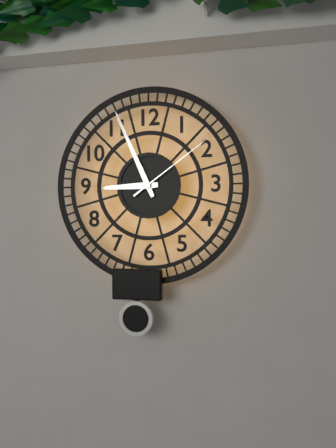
8:56:09
